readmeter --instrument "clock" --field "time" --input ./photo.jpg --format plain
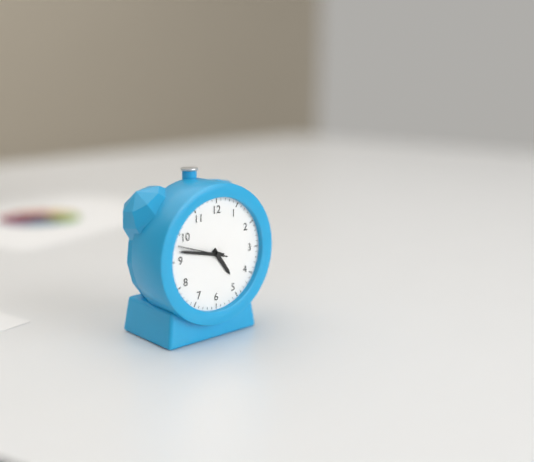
4:47
